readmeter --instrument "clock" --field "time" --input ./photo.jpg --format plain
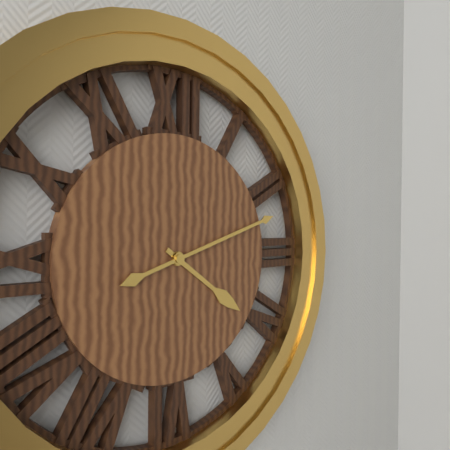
4:12
